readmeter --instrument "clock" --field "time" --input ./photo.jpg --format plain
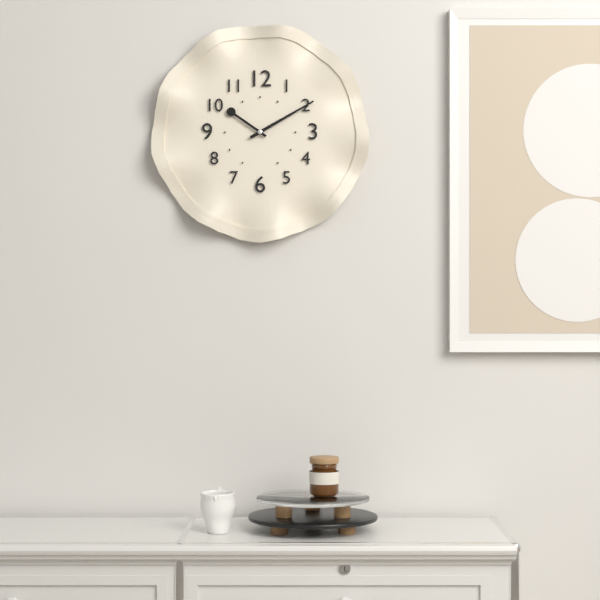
10:10
